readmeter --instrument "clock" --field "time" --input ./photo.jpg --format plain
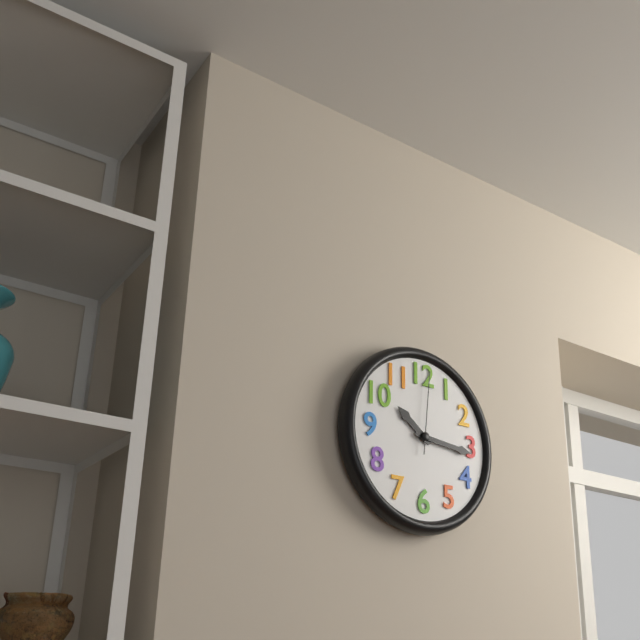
10:16:01
